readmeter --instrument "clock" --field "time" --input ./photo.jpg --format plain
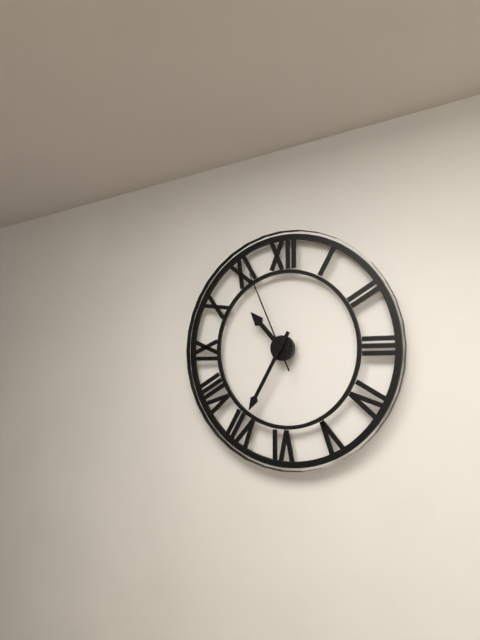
10:35:56
